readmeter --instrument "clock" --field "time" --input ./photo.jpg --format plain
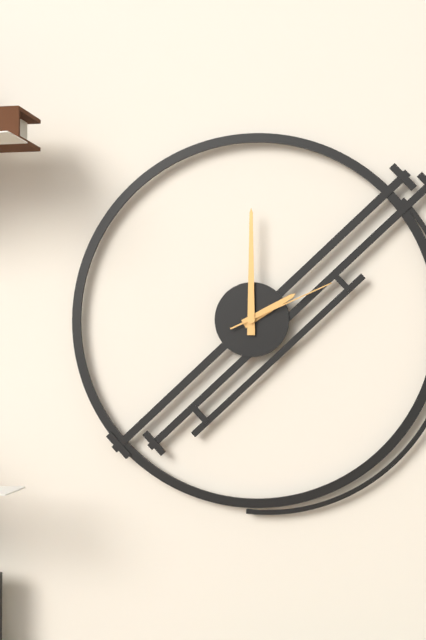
2:00:11
